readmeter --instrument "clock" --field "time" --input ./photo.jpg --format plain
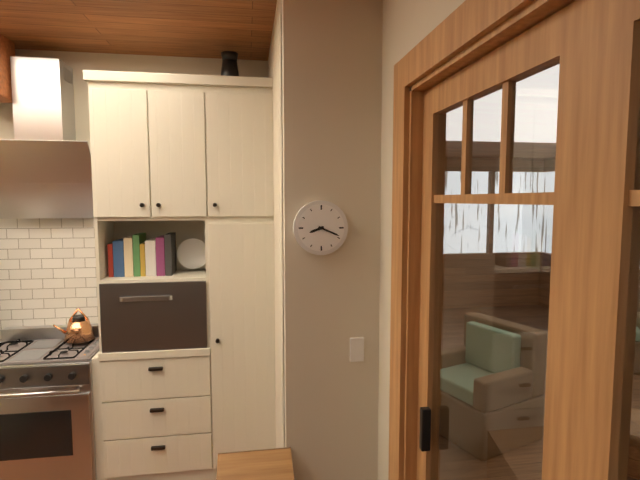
8:19
